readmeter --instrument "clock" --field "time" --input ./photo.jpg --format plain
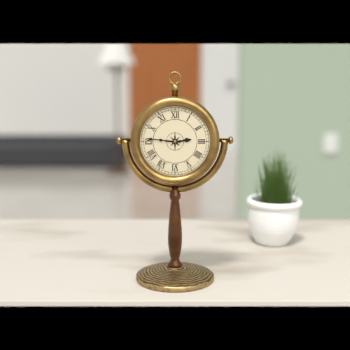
2:46
